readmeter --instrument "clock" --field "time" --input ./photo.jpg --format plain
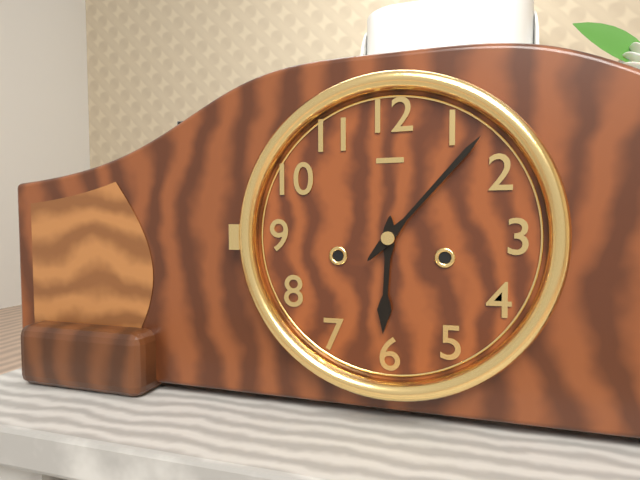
6:07
